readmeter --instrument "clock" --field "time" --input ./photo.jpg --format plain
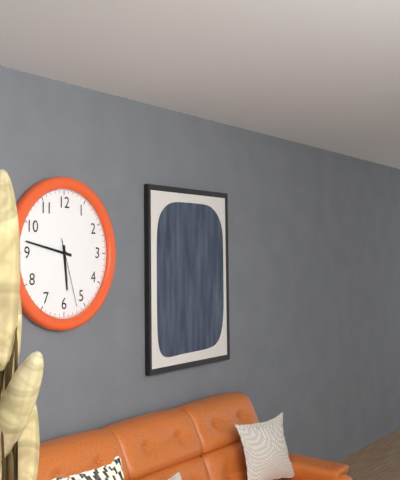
5:47:27
